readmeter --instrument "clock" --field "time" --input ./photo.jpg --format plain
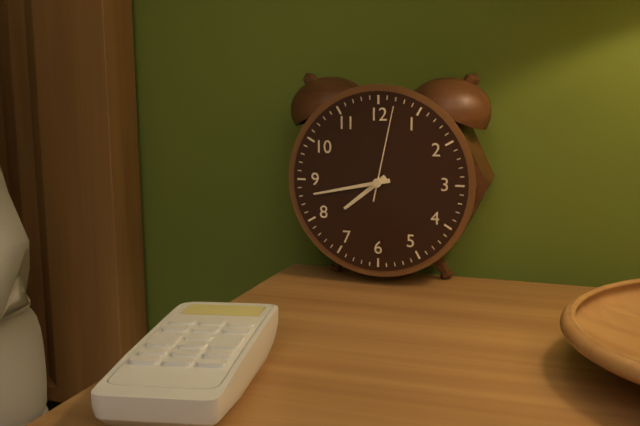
7:43:02
